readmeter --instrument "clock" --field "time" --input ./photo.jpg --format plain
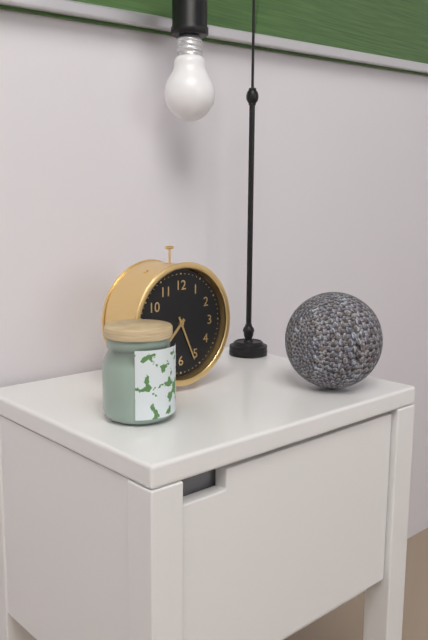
7:26
